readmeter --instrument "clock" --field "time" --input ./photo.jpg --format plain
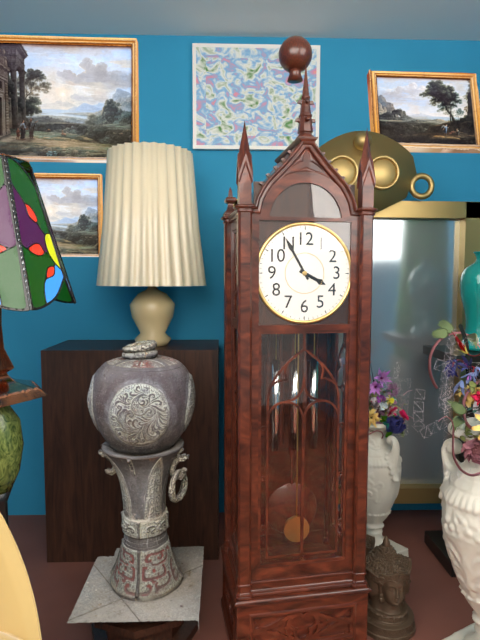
3:55
